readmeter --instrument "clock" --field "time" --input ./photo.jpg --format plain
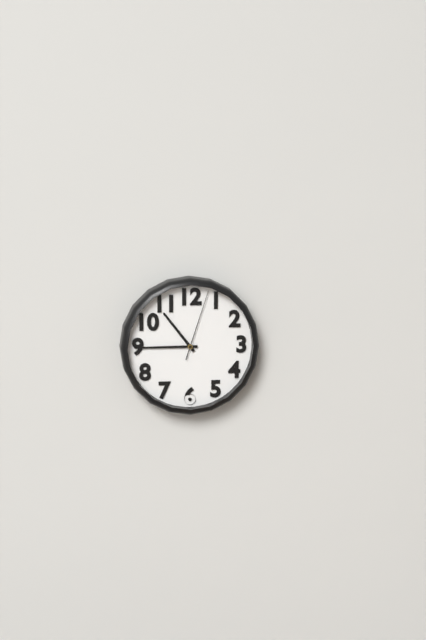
10:45:03
